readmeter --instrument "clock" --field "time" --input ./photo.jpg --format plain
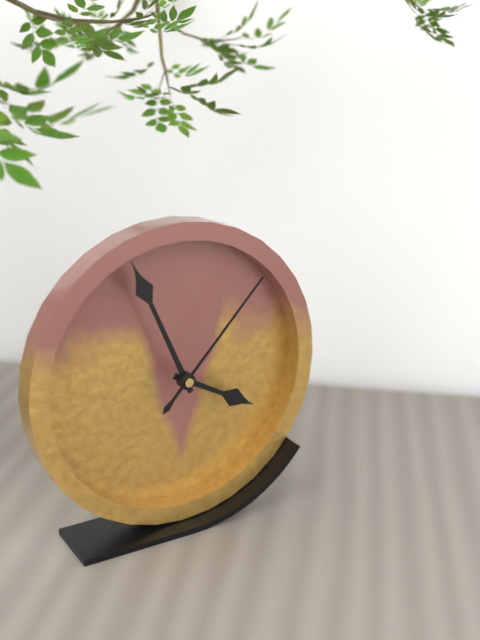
3:56:07
